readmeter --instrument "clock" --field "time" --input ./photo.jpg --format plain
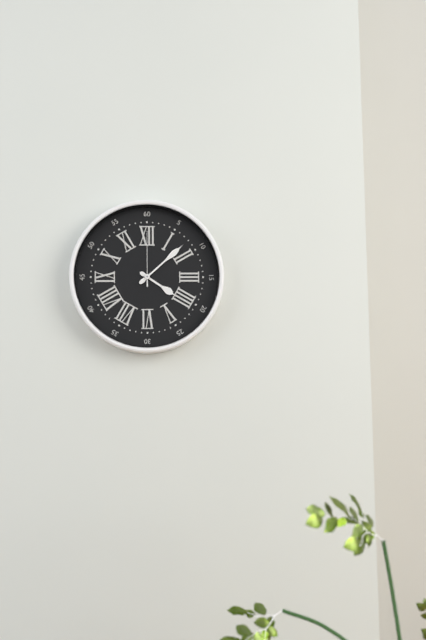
4:08:00
